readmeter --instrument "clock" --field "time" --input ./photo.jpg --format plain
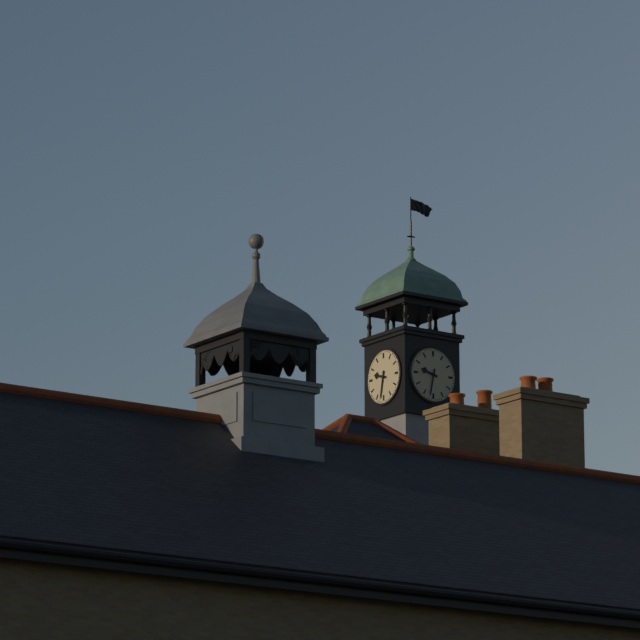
9:32
